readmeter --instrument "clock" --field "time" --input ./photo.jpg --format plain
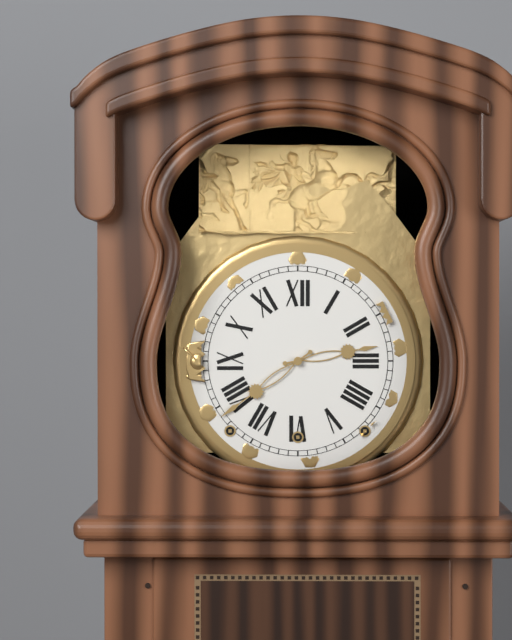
2:39
